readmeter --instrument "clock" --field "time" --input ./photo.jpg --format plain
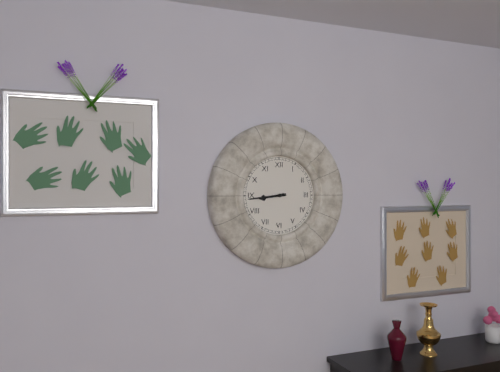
8:44
